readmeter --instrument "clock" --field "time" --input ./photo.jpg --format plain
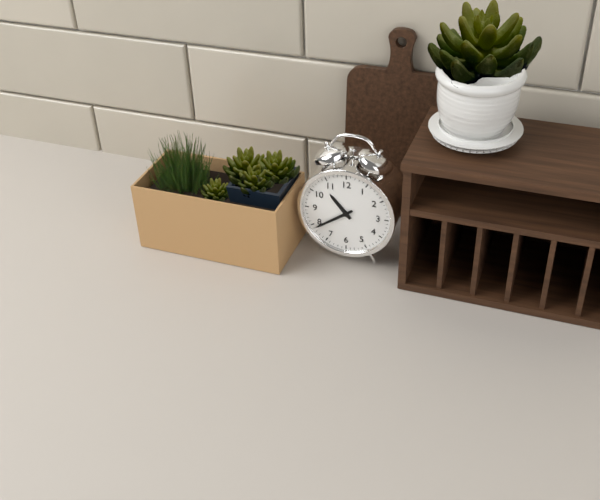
10:39
